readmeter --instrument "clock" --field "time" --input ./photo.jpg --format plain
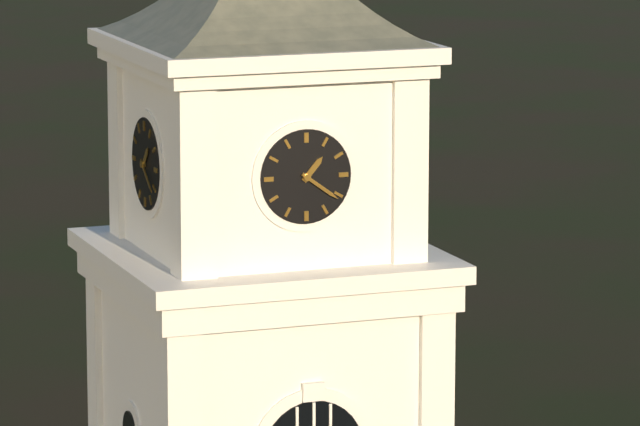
1:21
